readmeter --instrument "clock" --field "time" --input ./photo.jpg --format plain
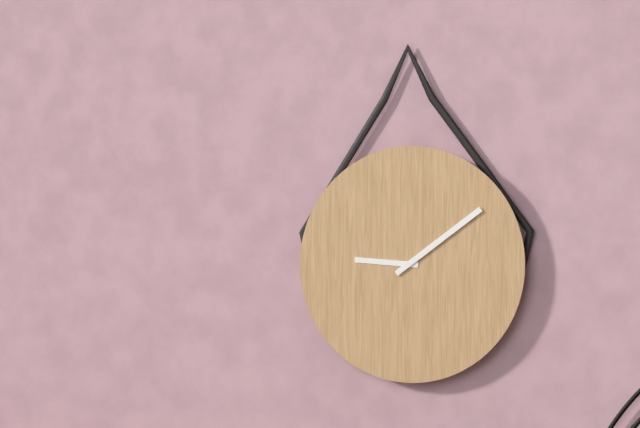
9:09
